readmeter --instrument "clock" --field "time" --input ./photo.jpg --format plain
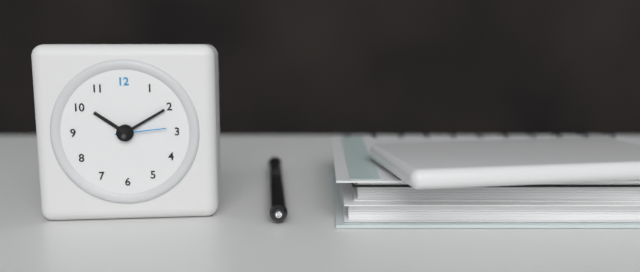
10:10:14
